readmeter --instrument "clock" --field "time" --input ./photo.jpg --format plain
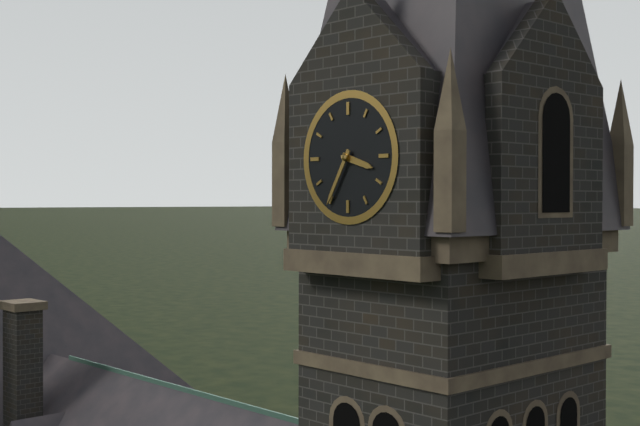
3:35
